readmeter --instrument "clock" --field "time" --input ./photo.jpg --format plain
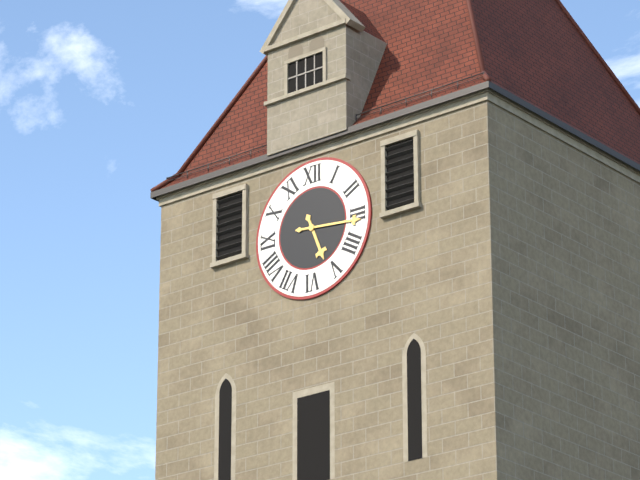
5:16
